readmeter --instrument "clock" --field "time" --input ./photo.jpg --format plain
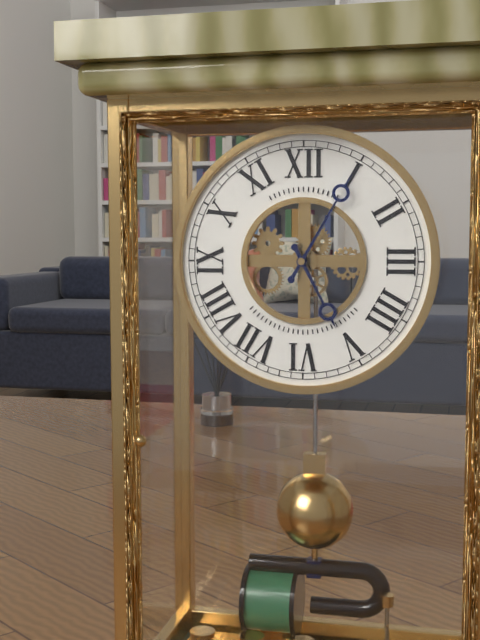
5:05
